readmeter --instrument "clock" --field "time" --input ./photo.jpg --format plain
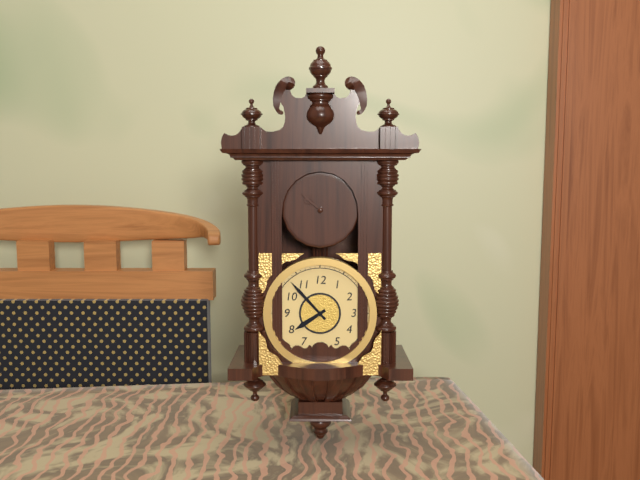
7:53
